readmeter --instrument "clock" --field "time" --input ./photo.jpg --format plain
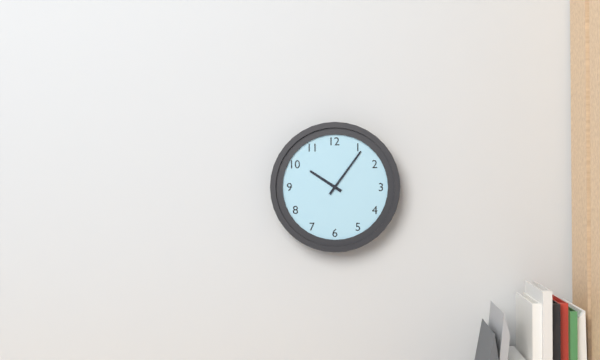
10:06
